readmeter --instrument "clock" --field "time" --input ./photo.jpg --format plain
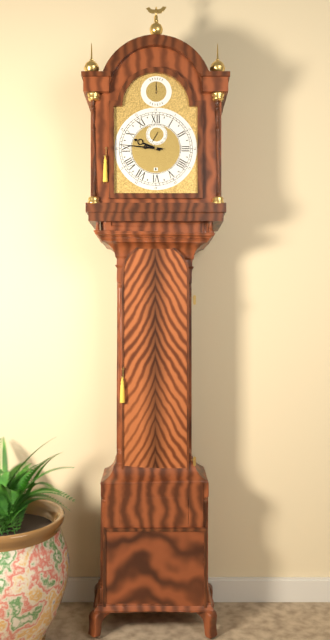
9:46
